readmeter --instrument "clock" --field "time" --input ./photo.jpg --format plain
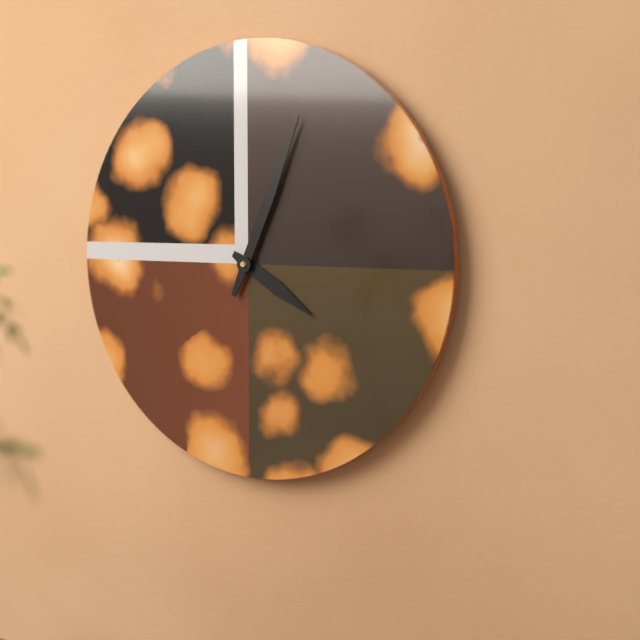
4:04
